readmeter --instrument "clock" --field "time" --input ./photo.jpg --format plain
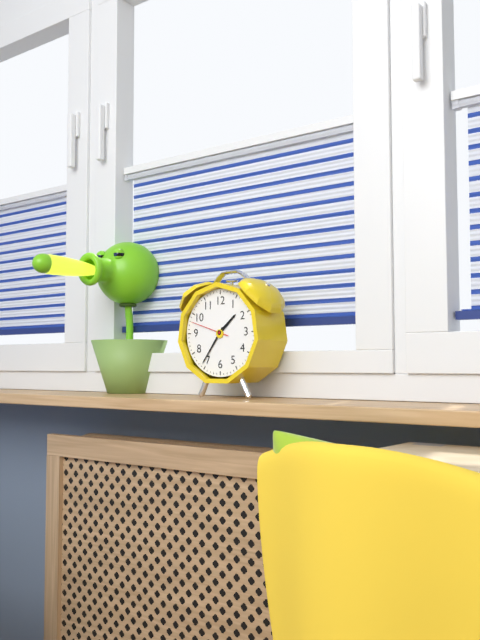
1:36
